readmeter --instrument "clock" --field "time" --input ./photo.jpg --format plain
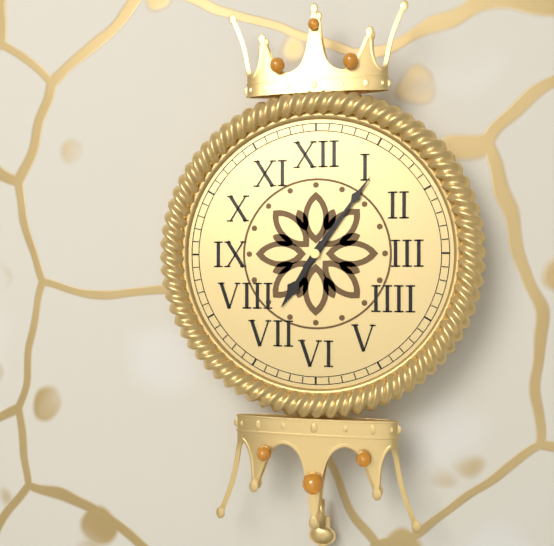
7:06
